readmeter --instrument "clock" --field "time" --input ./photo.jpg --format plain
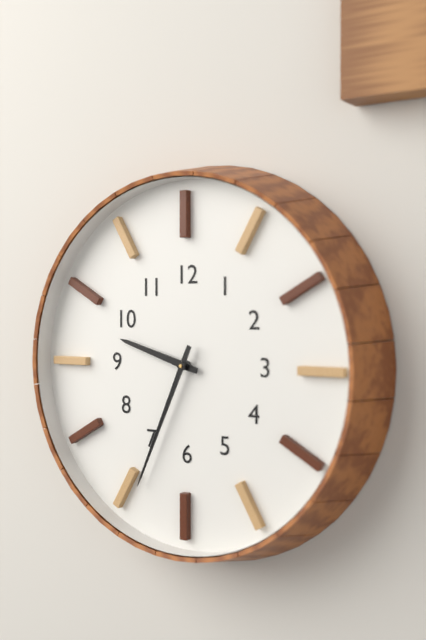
9:34
